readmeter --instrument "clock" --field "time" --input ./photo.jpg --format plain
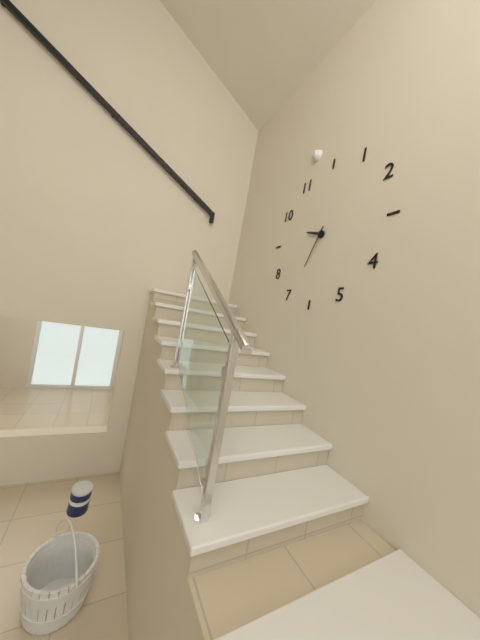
9:34
